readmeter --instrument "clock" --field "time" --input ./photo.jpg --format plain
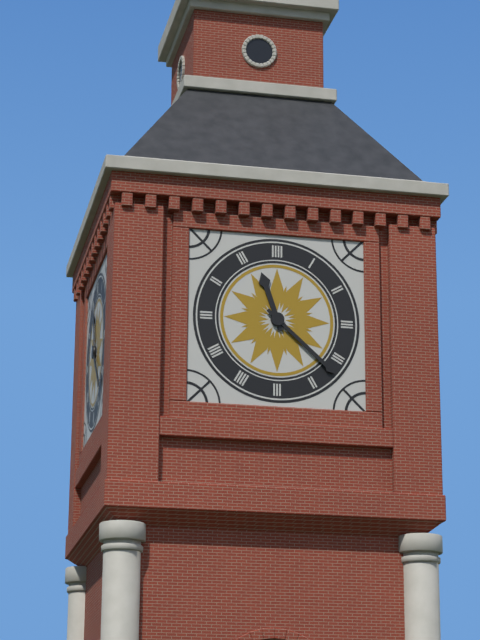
11:22
